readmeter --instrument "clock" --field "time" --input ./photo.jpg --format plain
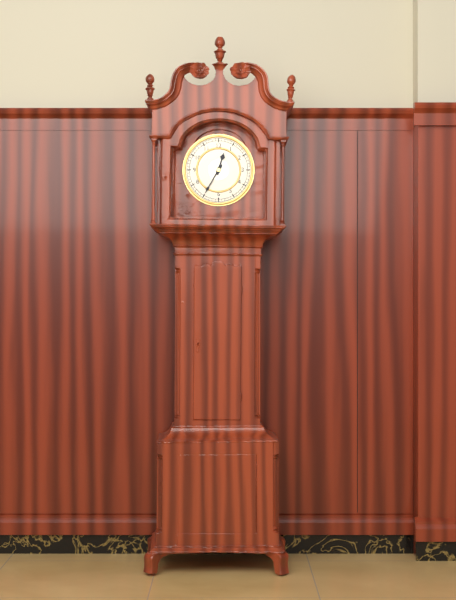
12:35
